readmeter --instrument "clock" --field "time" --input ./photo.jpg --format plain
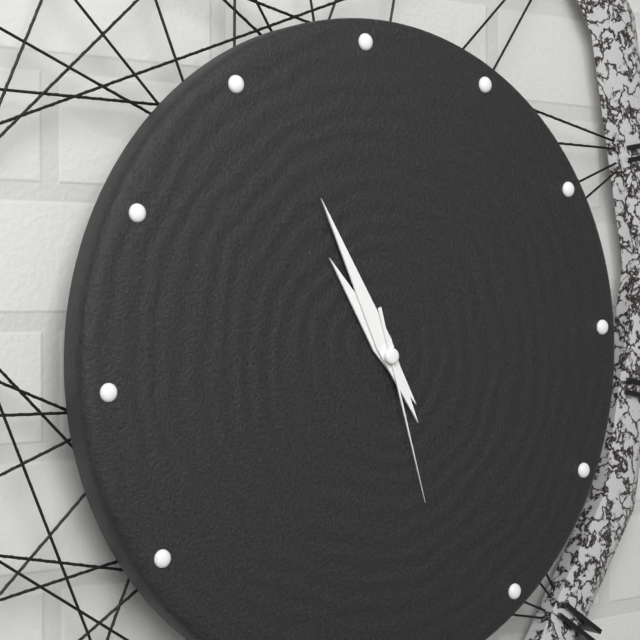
10:56:28
